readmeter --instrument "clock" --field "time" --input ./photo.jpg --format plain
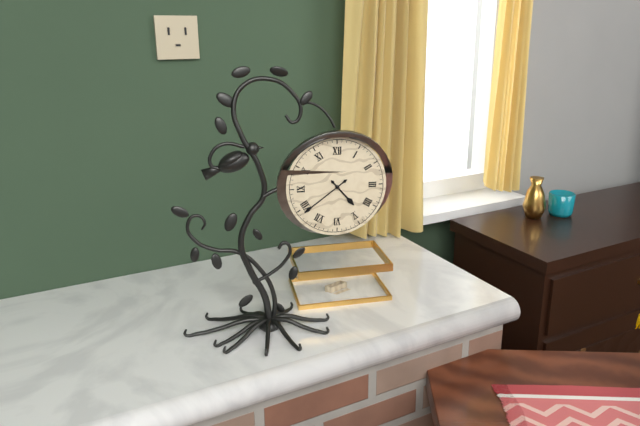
4:39
